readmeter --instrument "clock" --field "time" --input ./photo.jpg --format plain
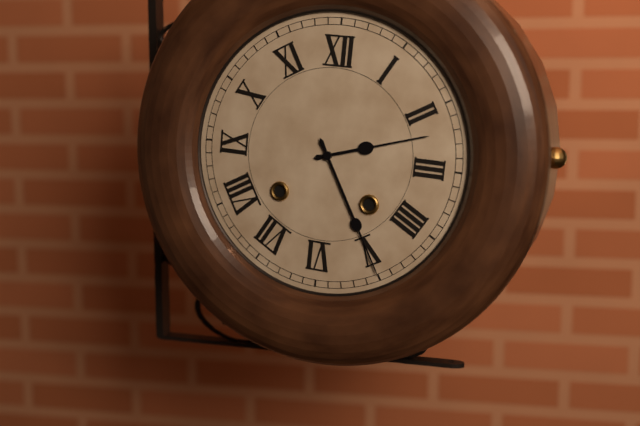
2:25
